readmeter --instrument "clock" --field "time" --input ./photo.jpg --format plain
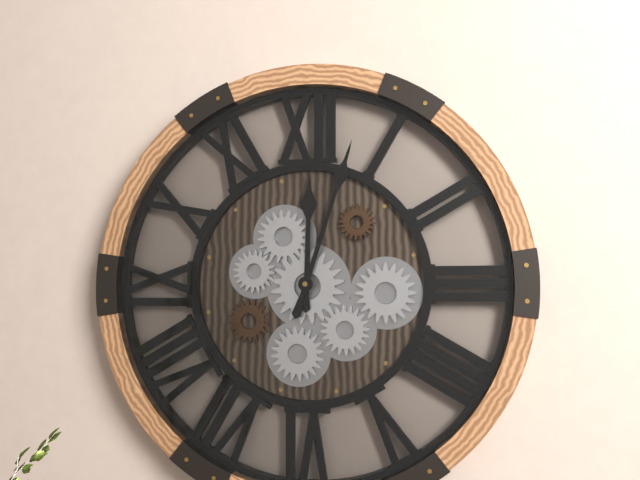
12:03
